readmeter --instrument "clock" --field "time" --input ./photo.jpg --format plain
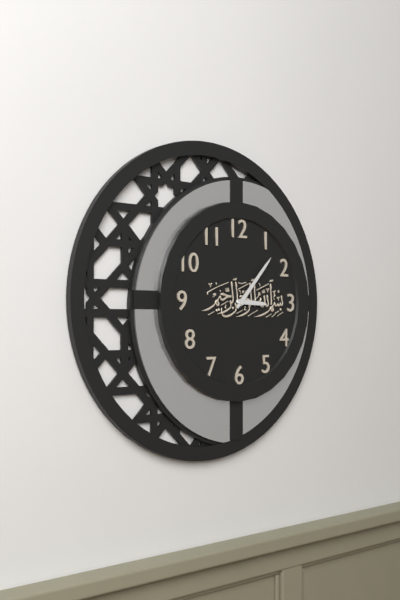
3:07
